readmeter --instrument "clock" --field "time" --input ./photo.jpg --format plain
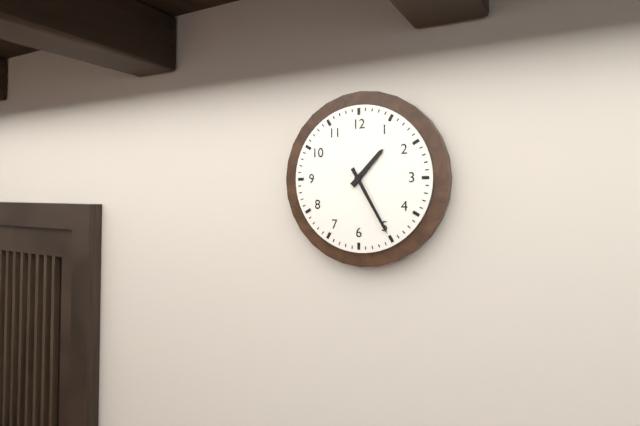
1:25
